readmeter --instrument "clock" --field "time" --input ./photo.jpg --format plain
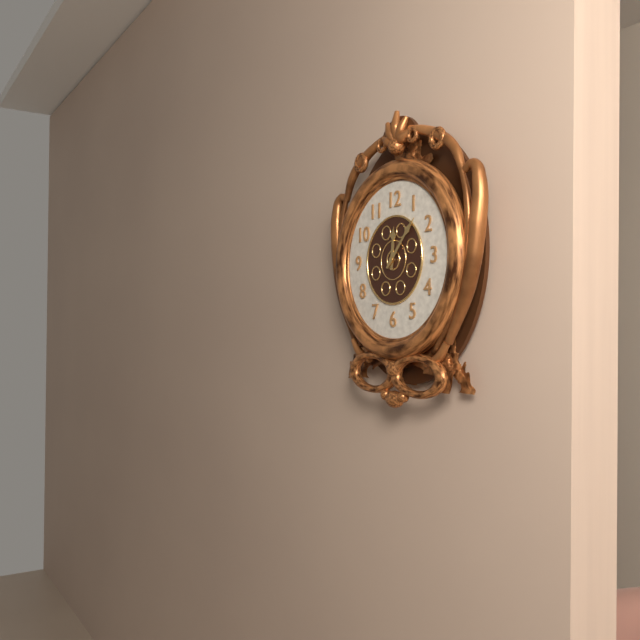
12:07
